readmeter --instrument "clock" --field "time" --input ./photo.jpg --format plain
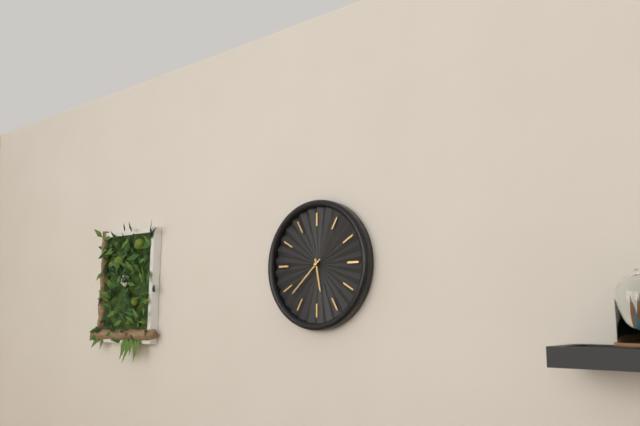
5:38
